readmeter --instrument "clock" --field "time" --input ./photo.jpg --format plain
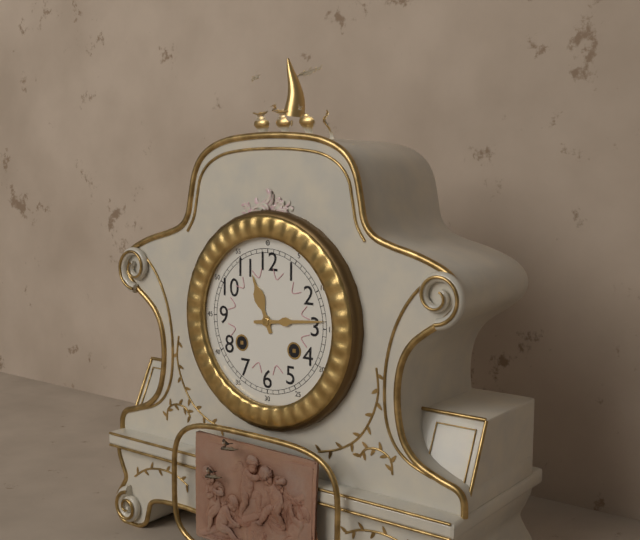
11:14
